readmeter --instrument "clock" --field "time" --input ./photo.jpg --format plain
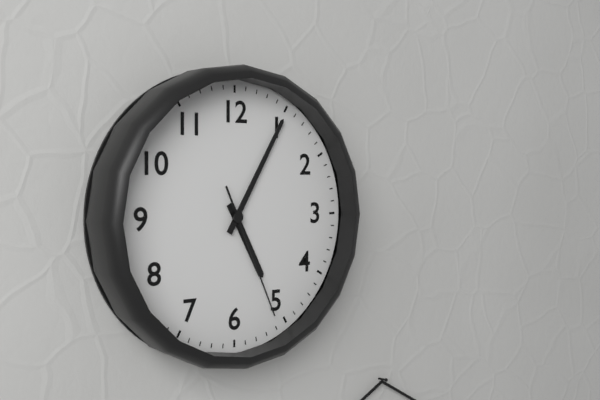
5:05:26
